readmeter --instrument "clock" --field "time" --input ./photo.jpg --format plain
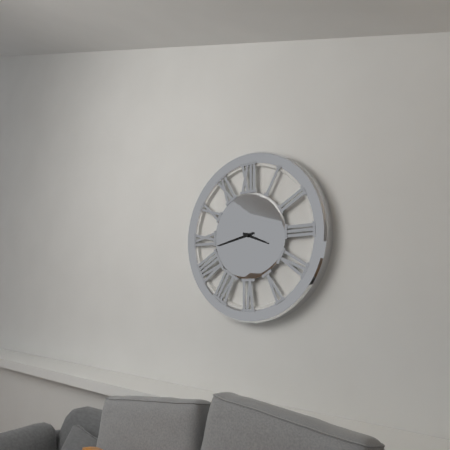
3:43
